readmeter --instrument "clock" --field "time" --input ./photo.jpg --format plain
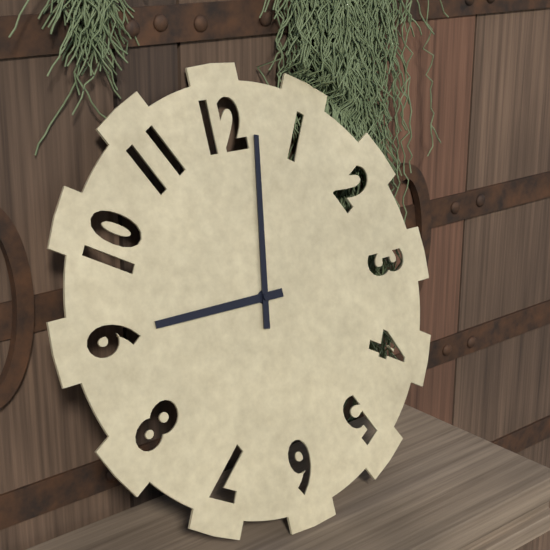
9:02
